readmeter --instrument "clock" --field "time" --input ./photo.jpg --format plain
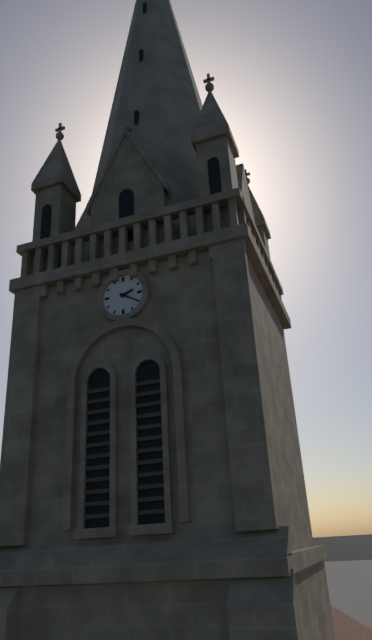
2:20
